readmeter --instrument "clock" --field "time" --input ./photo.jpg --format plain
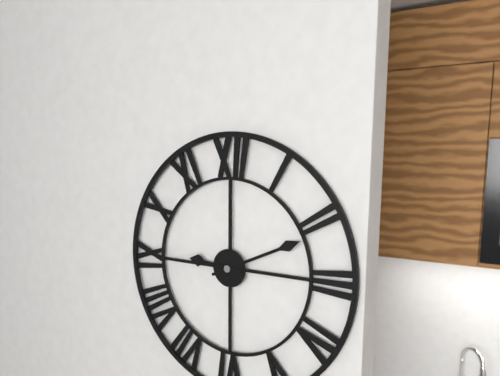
9:11
